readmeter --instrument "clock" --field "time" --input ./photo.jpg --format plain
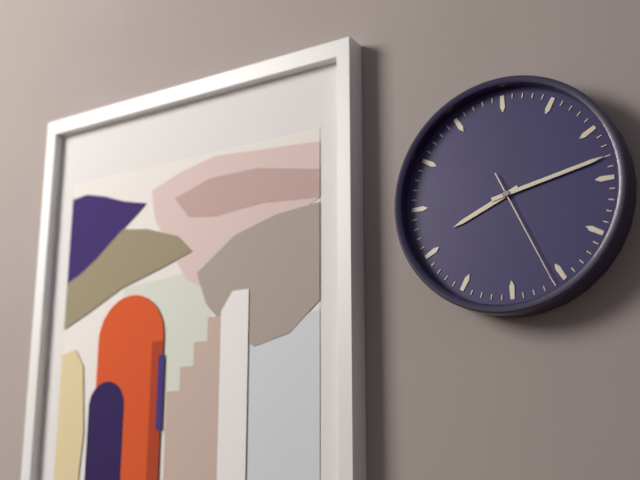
8:13:26
